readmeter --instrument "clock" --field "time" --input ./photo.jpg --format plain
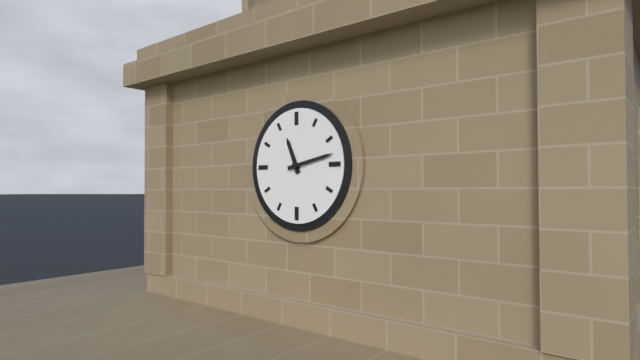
11:13
